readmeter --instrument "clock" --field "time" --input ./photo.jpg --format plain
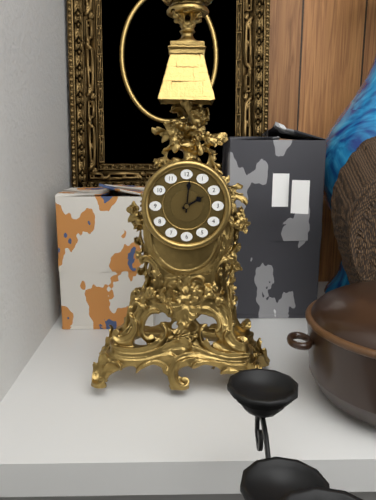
2:01
